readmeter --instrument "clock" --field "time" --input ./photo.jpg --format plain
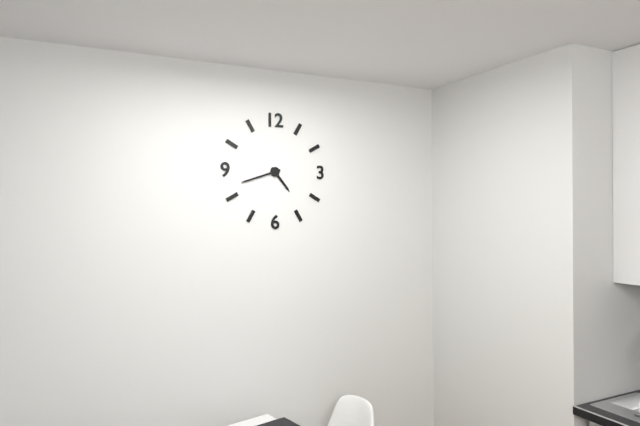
4:42
